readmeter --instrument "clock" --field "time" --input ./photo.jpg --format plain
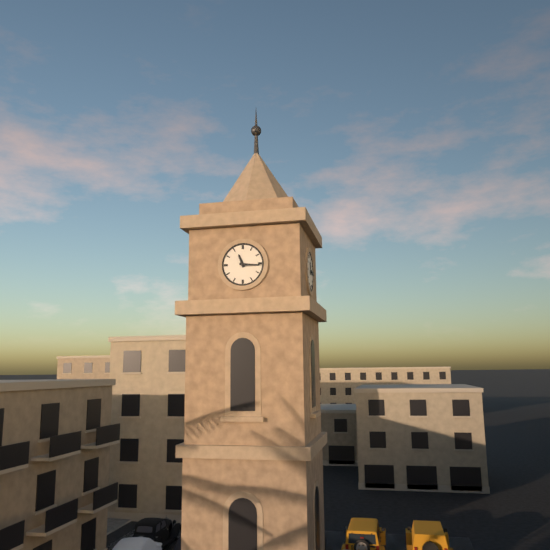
11:16
